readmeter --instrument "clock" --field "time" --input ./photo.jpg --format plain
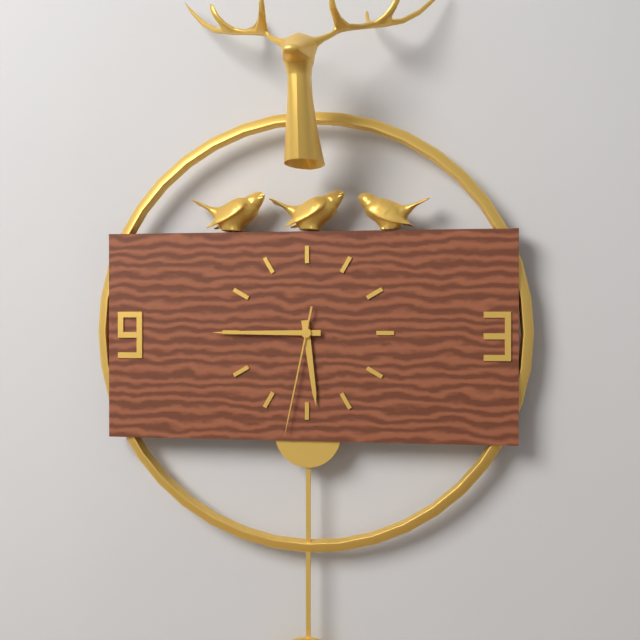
5:45:32
